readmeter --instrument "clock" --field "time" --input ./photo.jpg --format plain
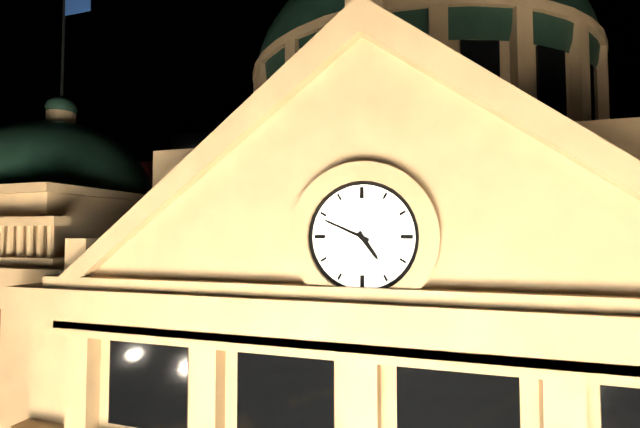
4:49
